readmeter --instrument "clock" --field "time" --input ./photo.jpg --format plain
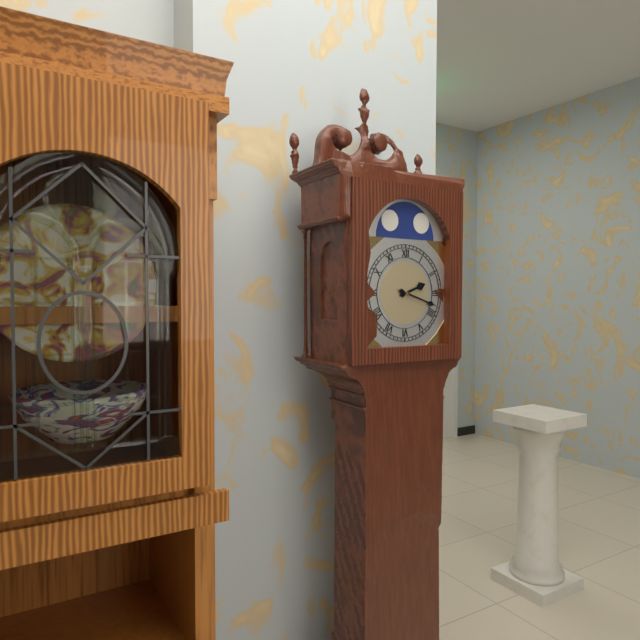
2:18
